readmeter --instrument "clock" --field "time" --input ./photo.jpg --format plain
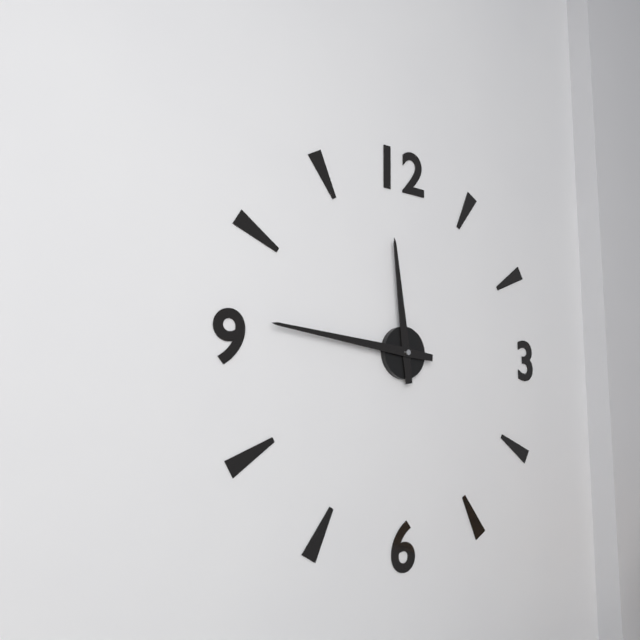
11:46
